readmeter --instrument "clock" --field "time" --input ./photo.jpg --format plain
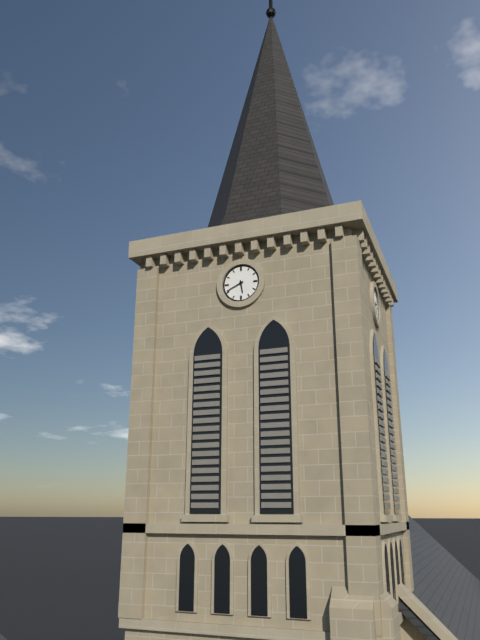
5:41
